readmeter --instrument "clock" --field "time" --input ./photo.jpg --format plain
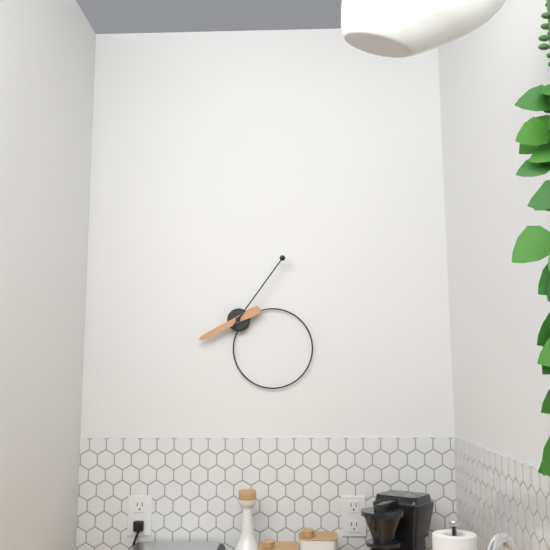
8:06
